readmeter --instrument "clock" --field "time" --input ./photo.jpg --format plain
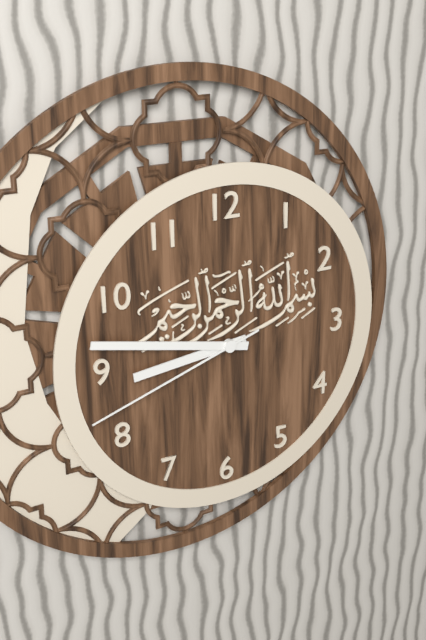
8:47:42
